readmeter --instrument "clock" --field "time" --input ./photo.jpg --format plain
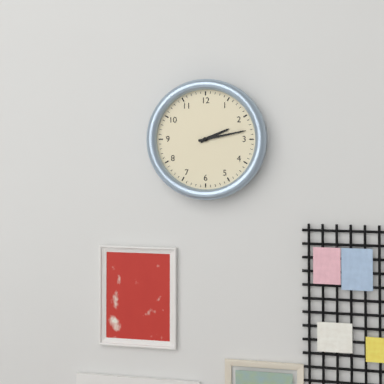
2:13
